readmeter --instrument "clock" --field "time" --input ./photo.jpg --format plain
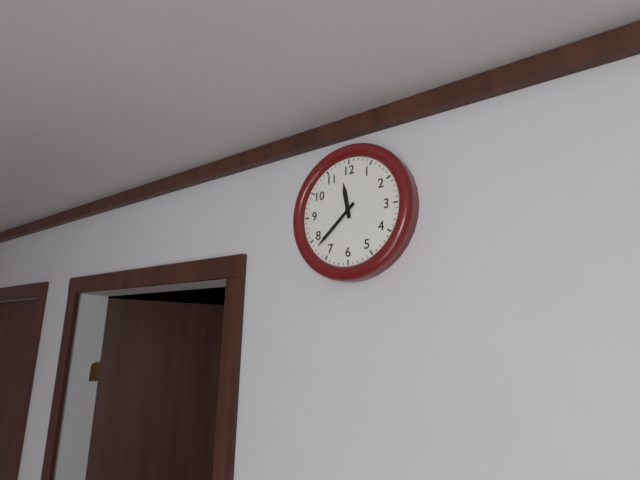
11:38
